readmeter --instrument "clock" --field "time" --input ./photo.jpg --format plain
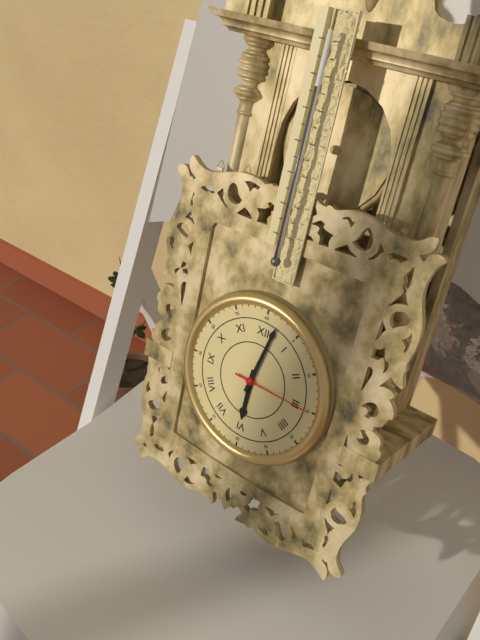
6:02:15
